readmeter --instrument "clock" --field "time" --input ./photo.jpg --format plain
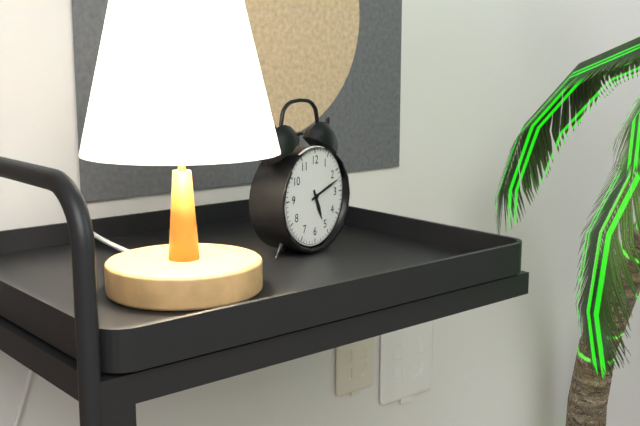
5:12
